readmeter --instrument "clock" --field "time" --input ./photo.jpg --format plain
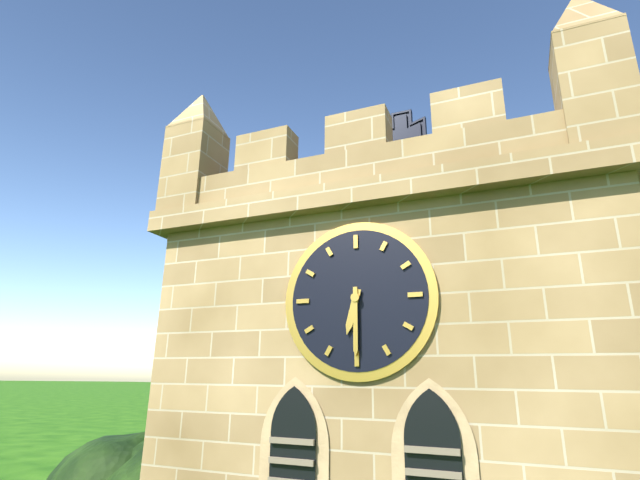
6:30
